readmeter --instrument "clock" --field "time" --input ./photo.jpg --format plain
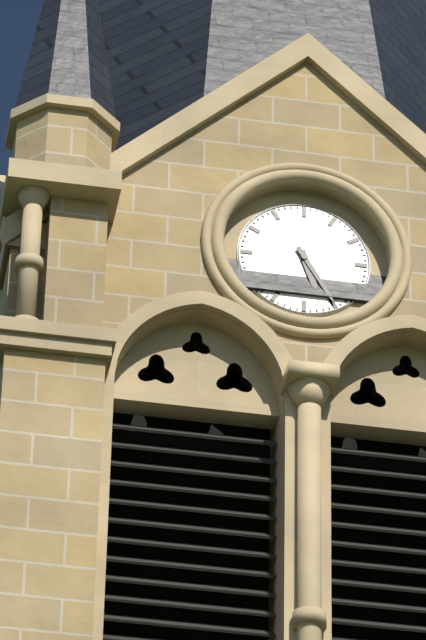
5:25
